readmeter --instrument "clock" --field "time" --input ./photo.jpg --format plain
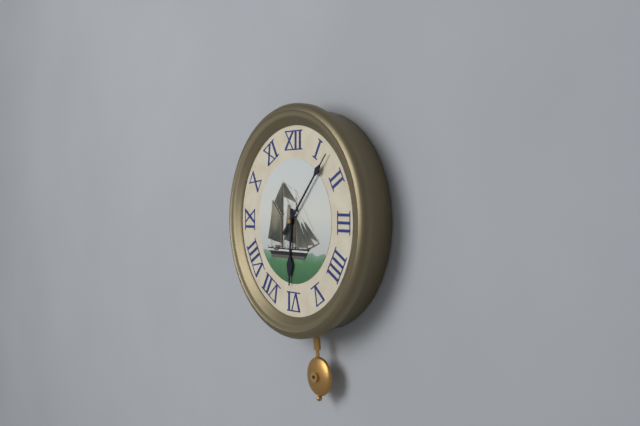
6:07
